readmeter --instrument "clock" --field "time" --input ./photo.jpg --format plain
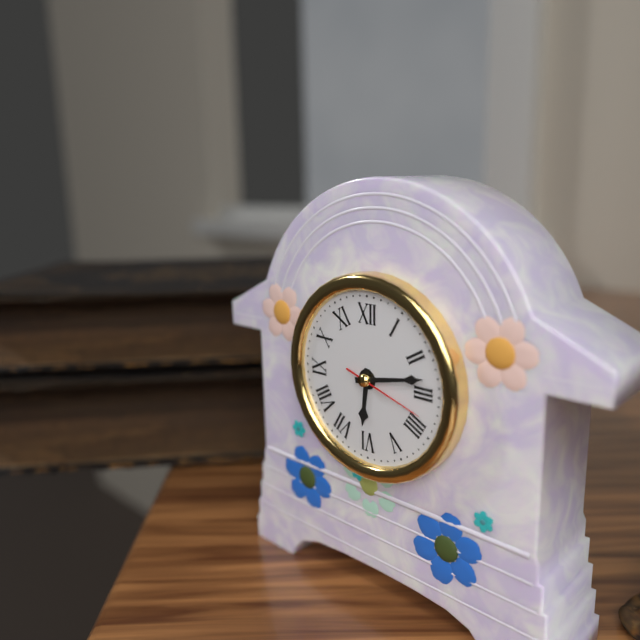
6:13:18
